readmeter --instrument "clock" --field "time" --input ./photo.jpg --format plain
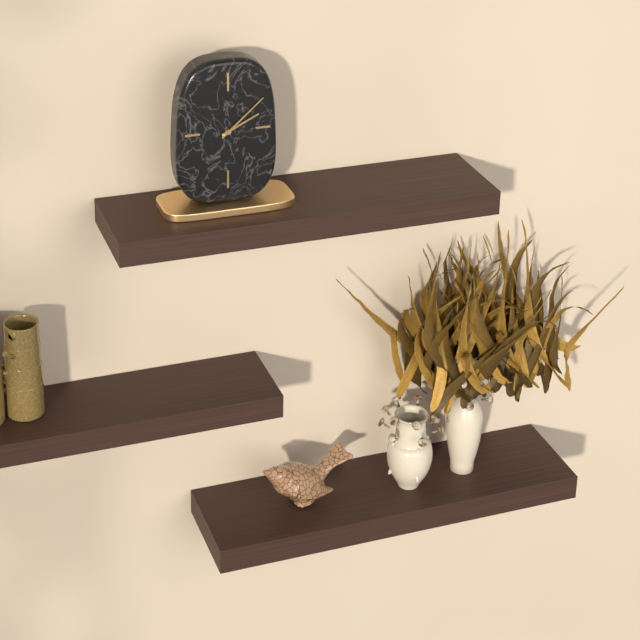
2:08
